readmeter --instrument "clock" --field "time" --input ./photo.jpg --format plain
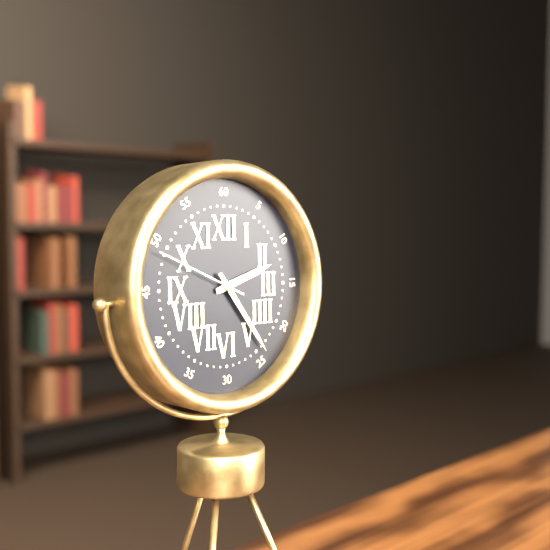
2:24:49
